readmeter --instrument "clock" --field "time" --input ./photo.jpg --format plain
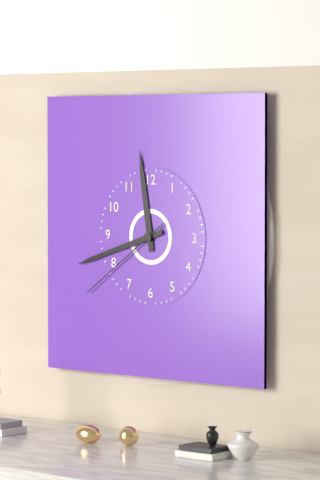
11:42:39
